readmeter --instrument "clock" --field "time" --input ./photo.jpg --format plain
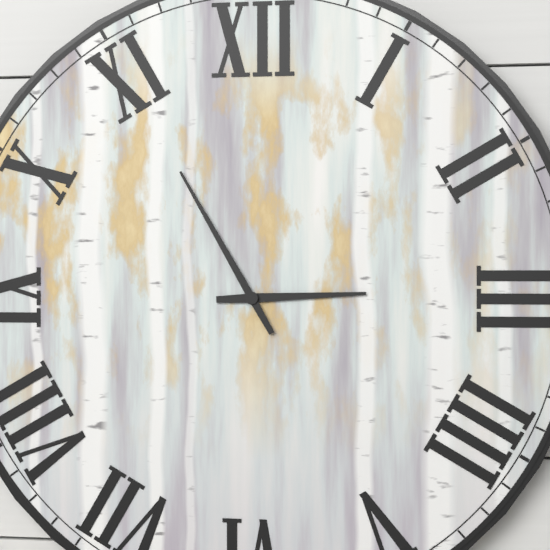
2:55
